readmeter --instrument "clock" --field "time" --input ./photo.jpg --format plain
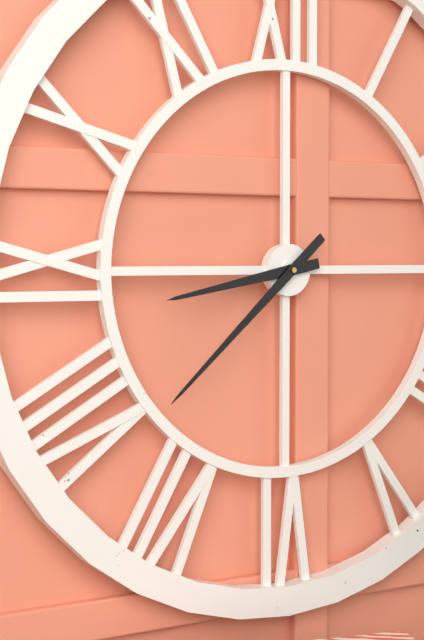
8:38
